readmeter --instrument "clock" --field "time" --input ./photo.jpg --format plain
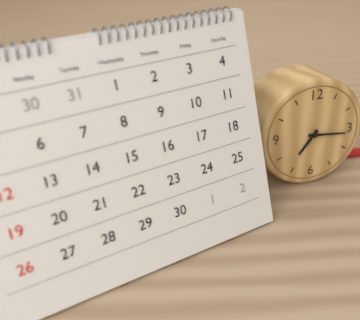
7:16
